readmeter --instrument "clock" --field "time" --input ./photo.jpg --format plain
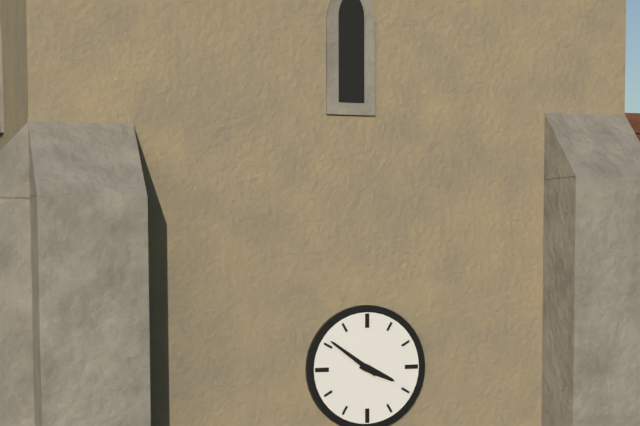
3:51
